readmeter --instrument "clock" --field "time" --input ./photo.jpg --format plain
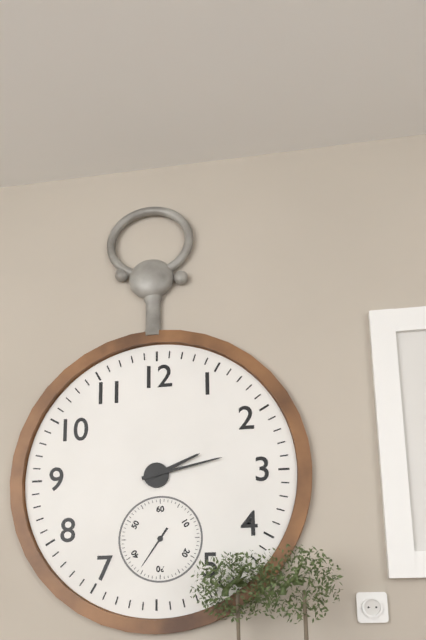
2:13
